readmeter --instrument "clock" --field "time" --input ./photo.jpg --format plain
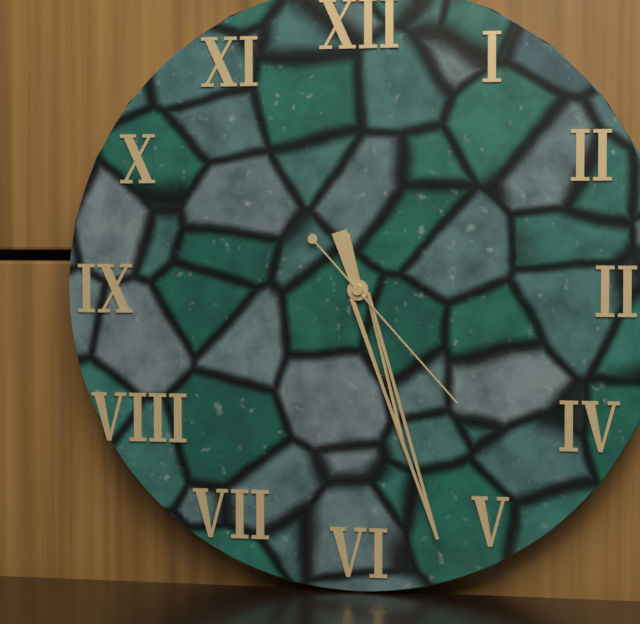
5:27:23
